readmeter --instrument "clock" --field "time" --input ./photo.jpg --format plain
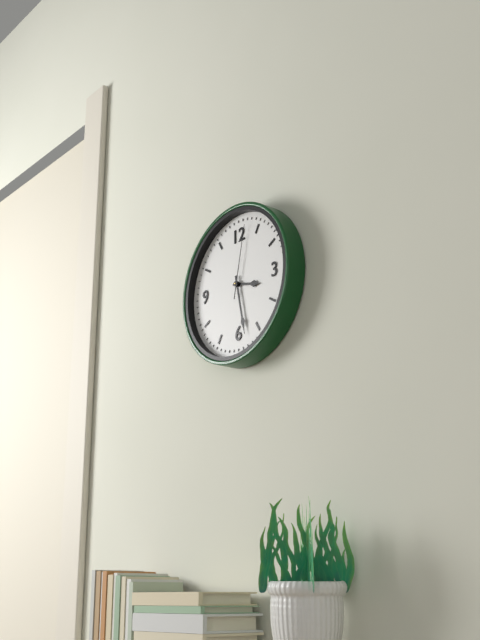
3:28:02
